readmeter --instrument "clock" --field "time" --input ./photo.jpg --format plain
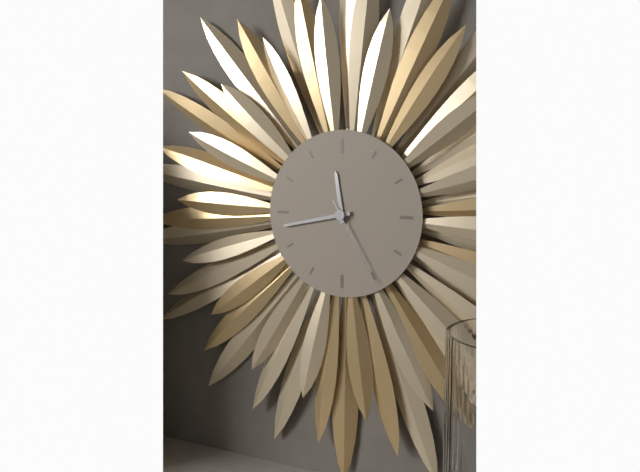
11:43:25
